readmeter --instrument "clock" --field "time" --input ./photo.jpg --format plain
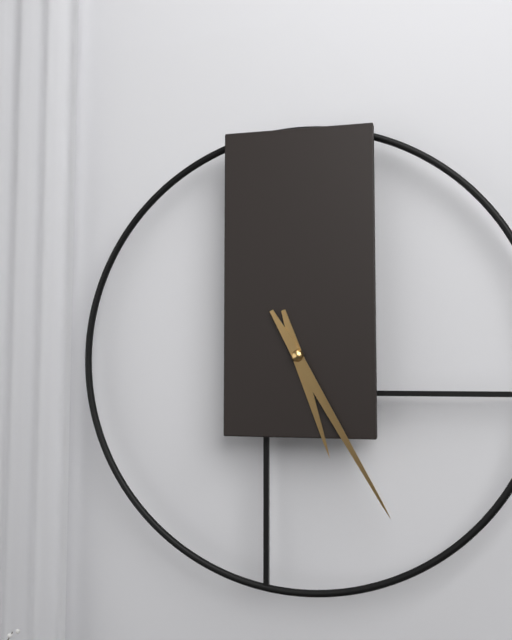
5:25
